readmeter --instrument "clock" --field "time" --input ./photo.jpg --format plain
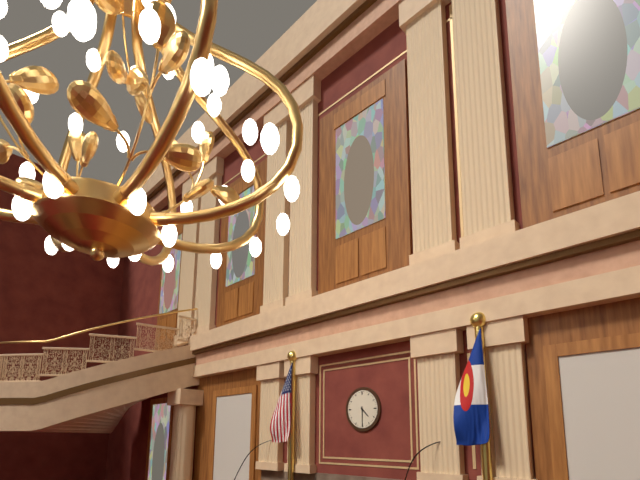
4:30
